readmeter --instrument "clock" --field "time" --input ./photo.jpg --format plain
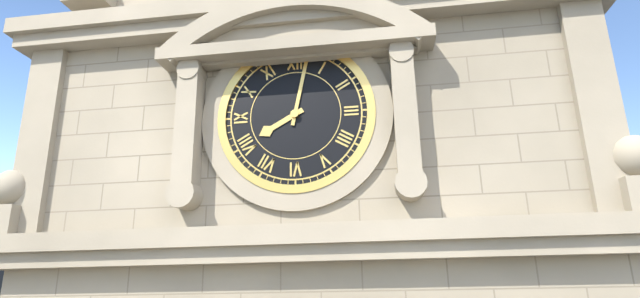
8:02
